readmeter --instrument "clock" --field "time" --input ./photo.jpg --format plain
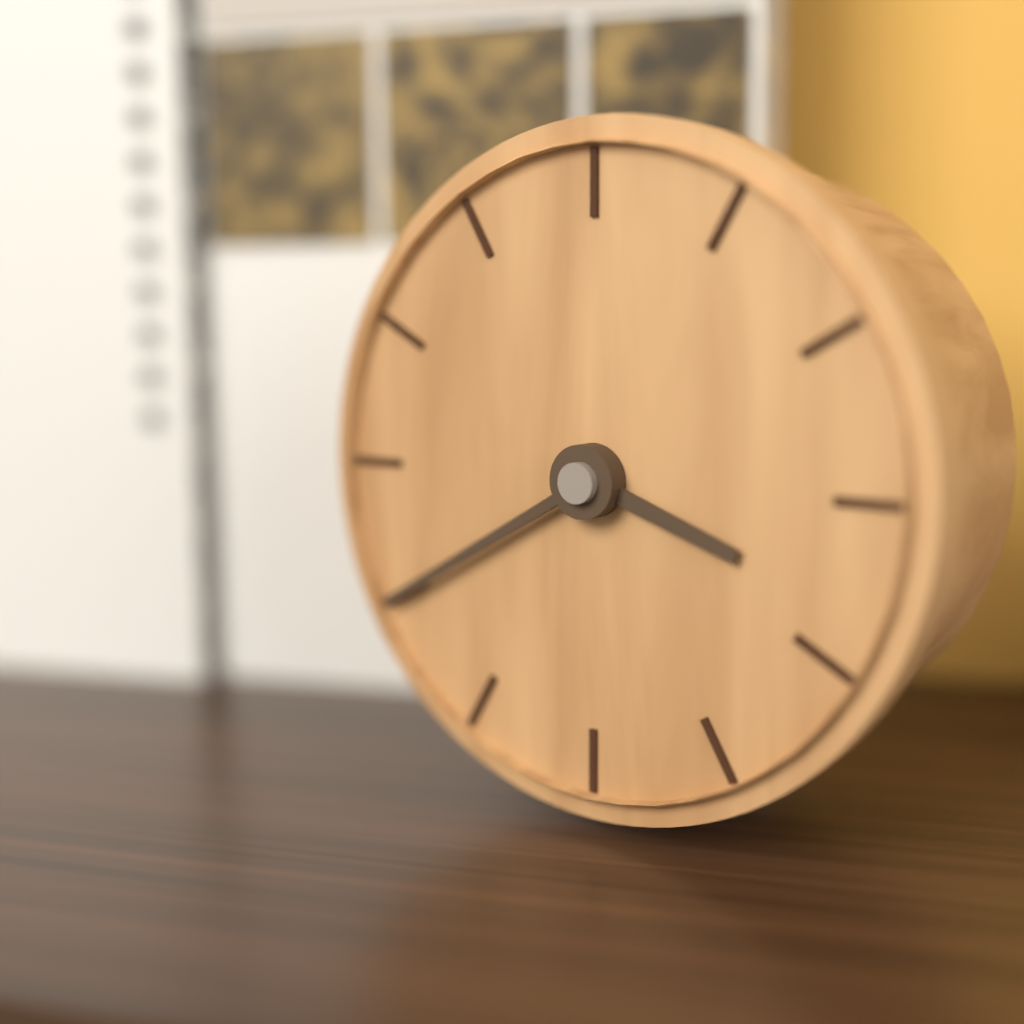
3:40
